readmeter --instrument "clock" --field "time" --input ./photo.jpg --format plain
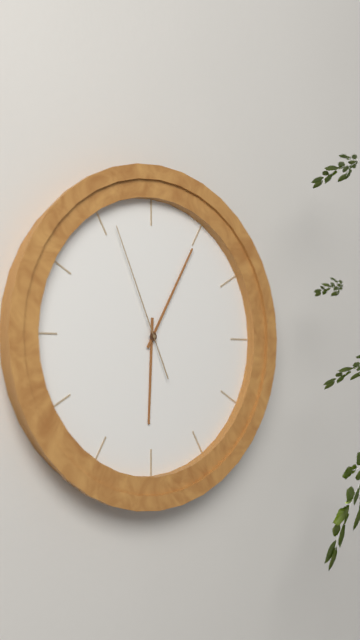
6:05:56
